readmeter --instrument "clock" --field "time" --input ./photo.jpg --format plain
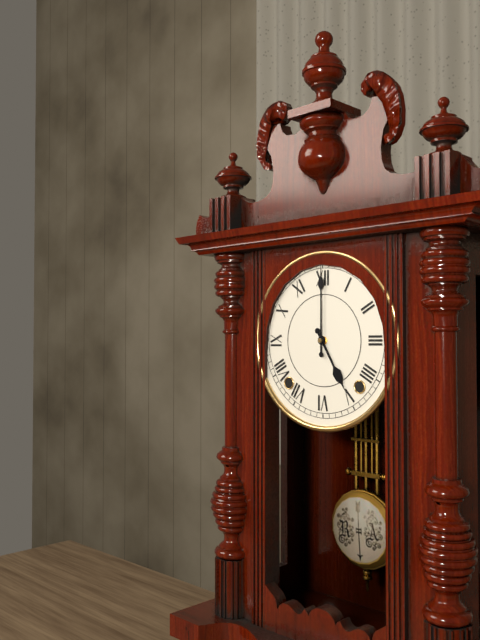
5:00
